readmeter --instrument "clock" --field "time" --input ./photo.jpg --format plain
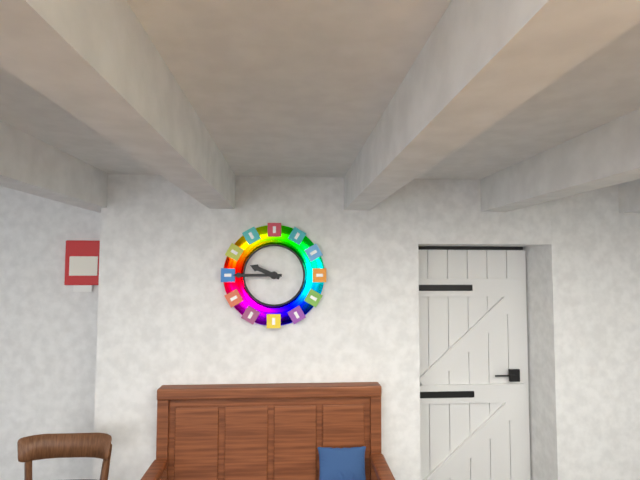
9:45
